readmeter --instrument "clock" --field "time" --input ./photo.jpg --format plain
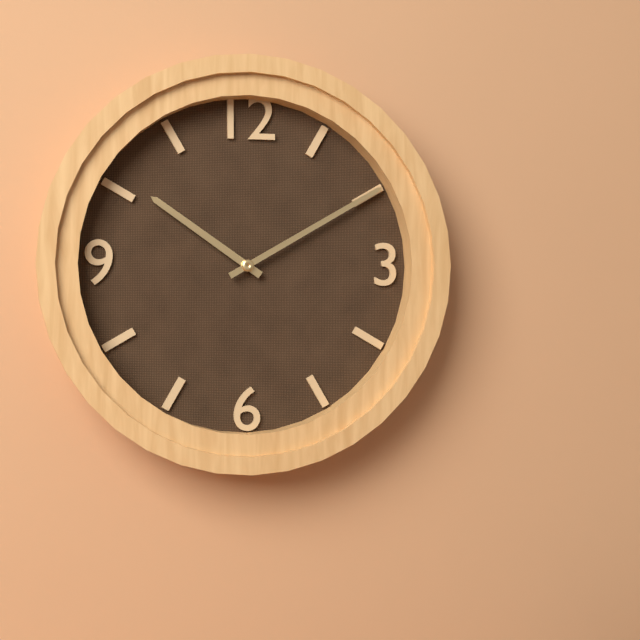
10:10
